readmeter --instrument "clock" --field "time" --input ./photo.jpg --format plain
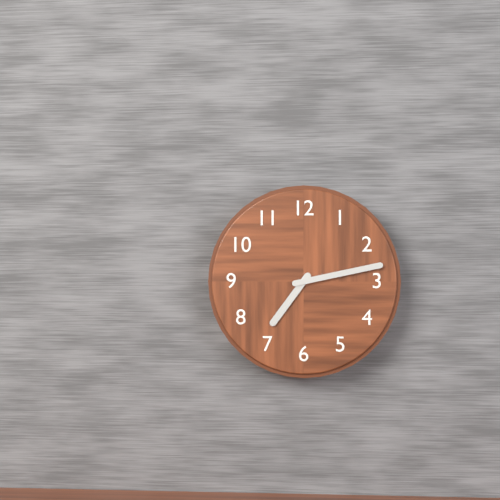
7:13
